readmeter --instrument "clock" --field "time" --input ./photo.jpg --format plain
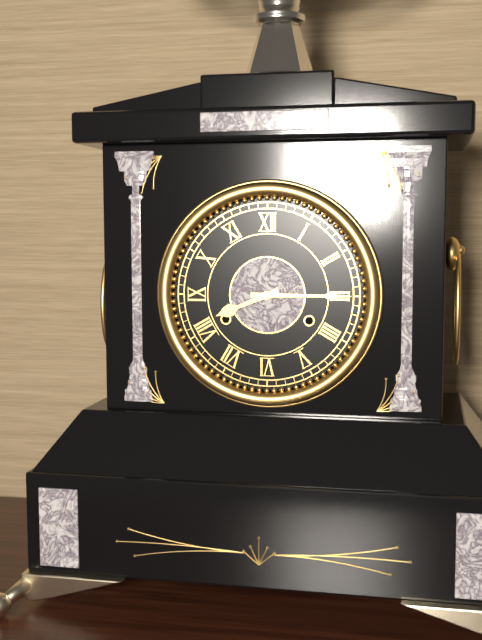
8:15
